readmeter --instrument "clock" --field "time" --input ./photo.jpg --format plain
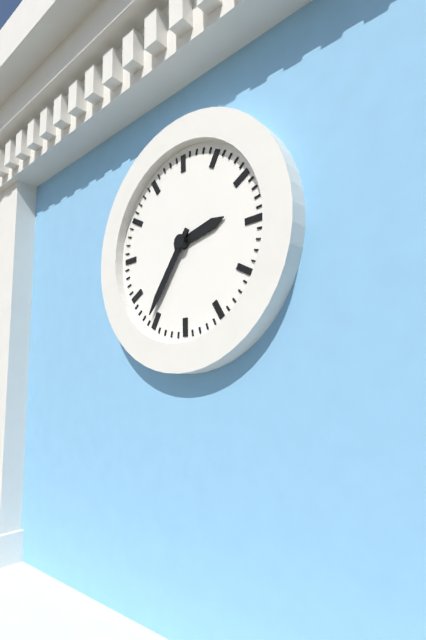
2:36
